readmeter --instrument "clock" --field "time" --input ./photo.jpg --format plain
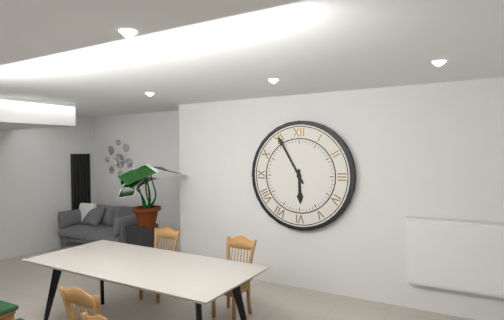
5:55
